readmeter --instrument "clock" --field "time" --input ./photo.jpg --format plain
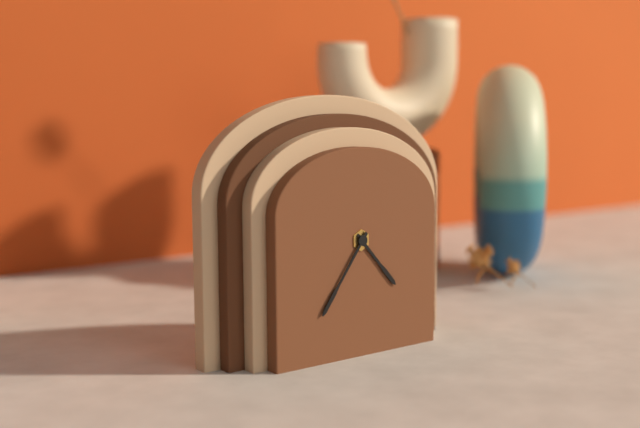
4:36
